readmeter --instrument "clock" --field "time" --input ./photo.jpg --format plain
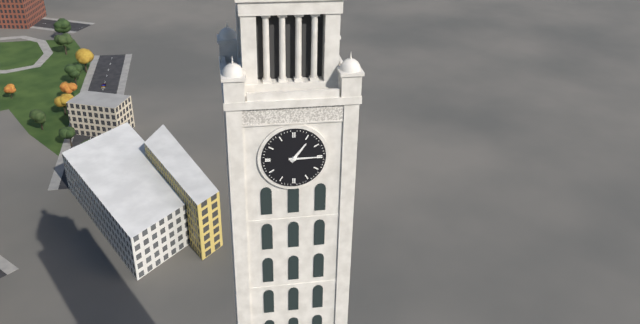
1:15
